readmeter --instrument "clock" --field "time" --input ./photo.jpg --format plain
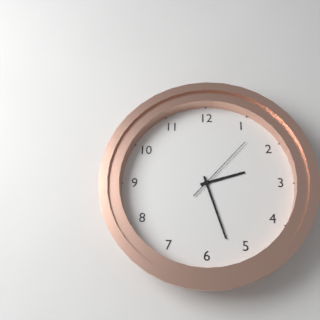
2:27:07
